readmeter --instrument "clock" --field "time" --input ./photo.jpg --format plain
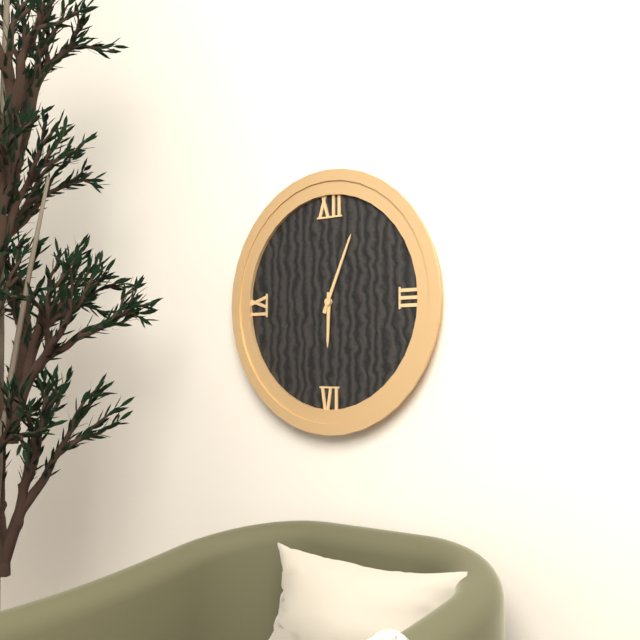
6:04
